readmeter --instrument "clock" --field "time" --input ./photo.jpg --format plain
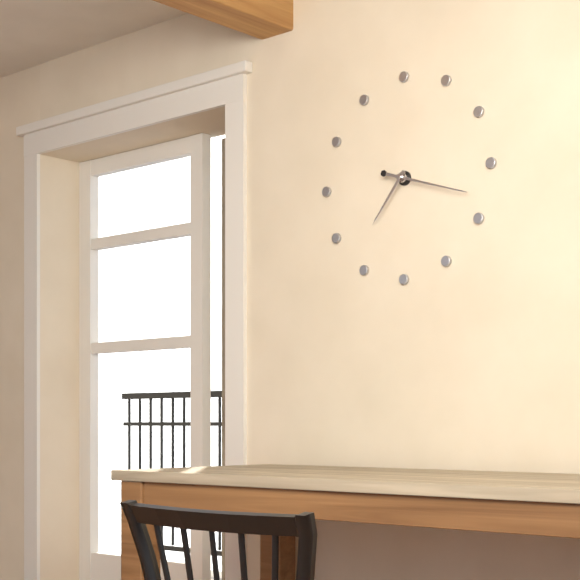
7:18
